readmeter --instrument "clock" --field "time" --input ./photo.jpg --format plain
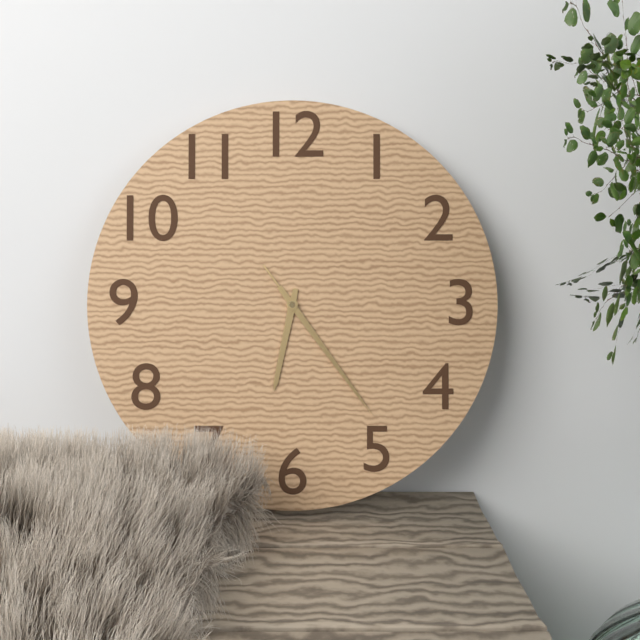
6:24:24
